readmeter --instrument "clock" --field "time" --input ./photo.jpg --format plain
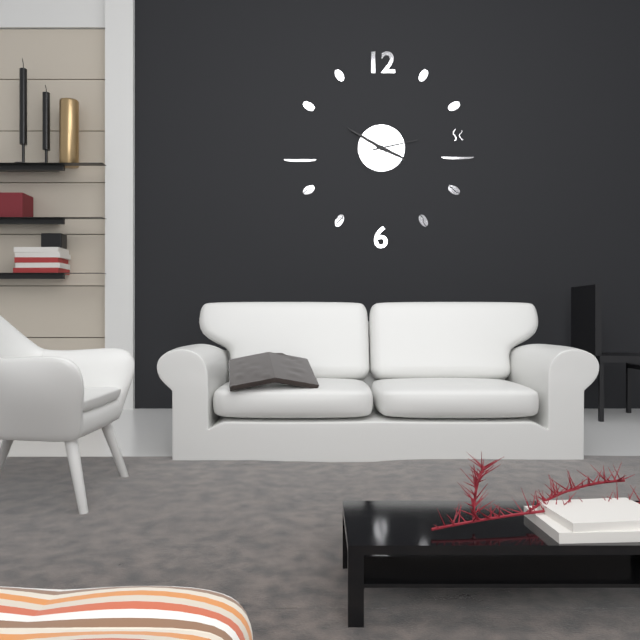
3:50
